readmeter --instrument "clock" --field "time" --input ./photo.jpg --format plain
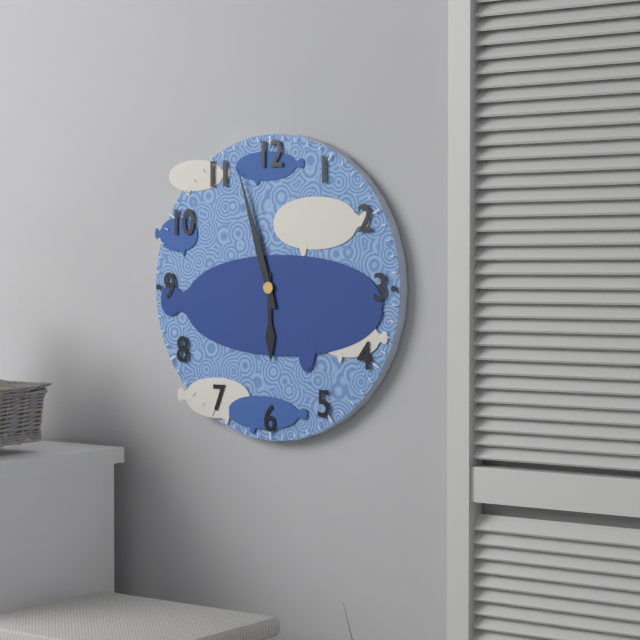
5:57
